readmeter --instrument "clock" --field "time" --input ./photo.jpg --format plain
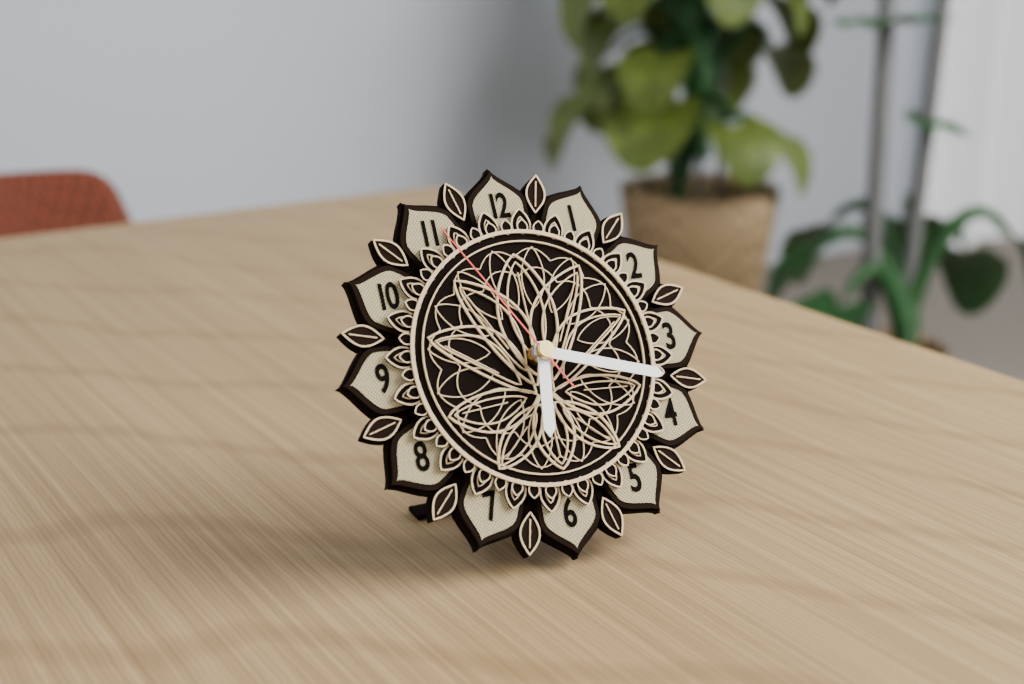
6:18:55
